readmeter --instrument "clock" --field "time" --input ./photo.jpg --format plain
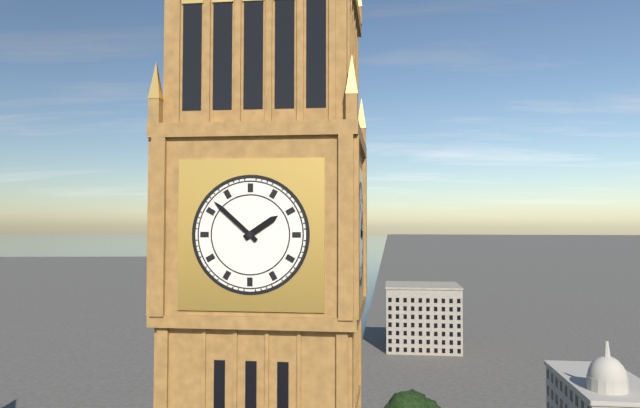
1:52
